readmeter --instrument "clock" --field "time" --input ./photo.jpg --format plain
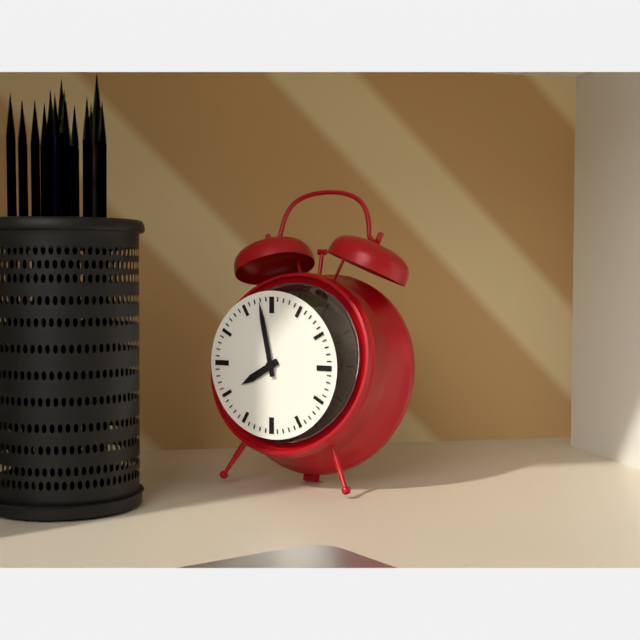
7:58
